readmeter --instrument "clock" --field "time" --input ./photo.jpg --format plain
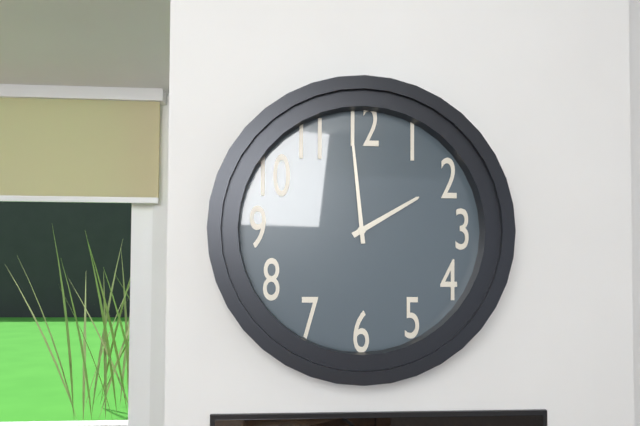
1:59
